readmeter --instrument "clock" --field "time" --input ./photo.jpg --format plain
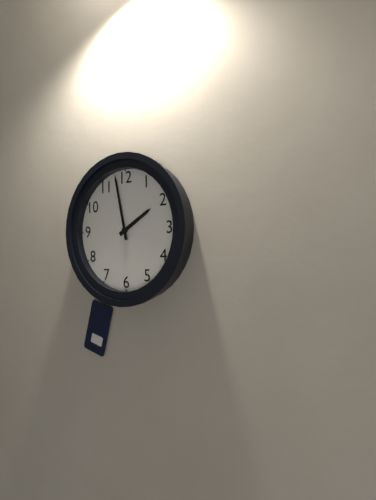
1:58
